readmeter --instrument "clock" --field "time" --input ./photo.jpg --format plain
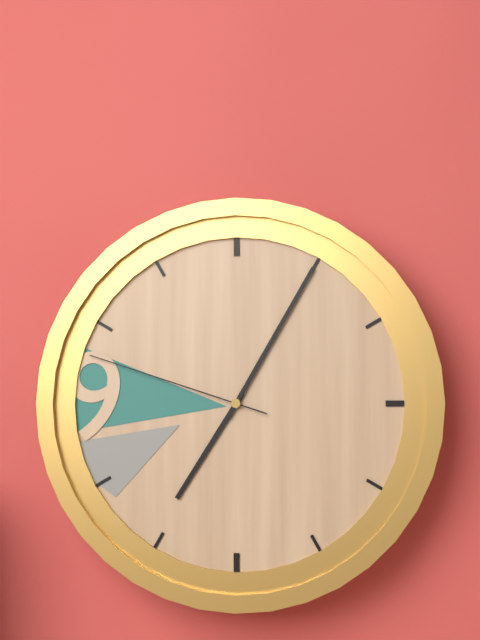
7:05:48
